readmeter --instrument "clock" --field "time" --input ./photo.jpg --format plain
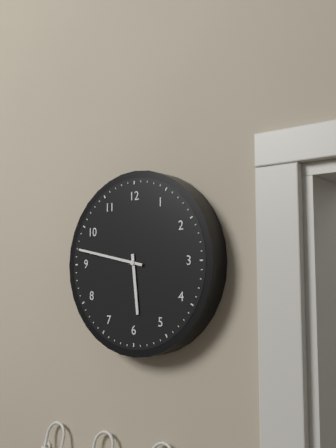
5:47
